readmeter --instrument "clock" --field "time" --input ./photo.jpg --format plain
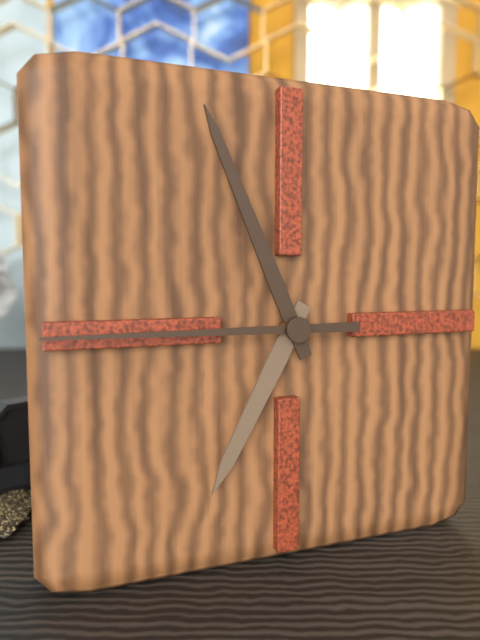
6:56:45
